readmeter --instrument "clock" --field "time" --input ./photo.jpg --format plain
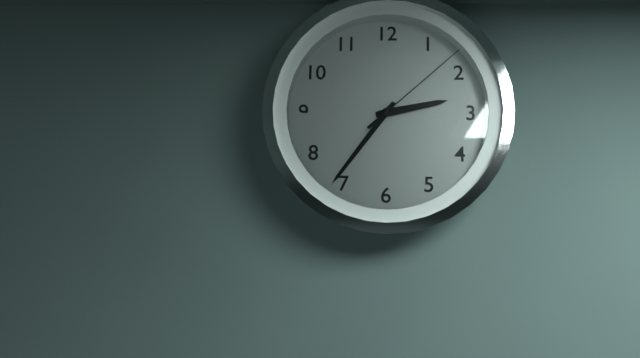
2:36:08
